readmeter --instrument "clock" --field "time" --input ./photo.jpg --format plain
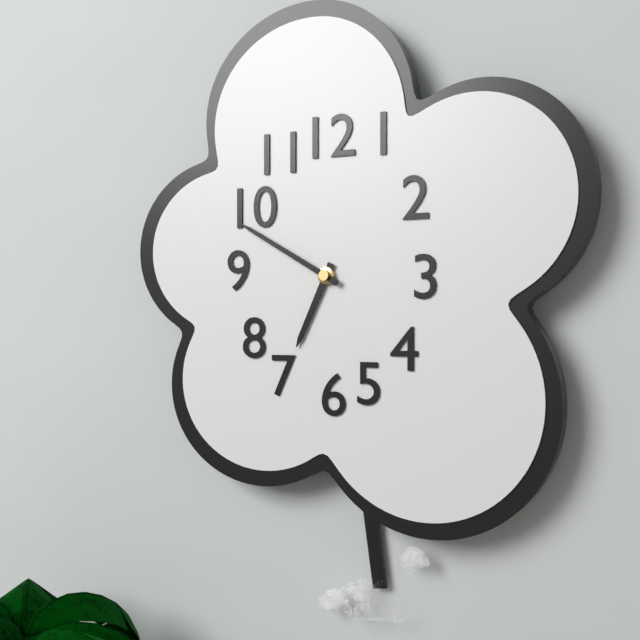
6:50
